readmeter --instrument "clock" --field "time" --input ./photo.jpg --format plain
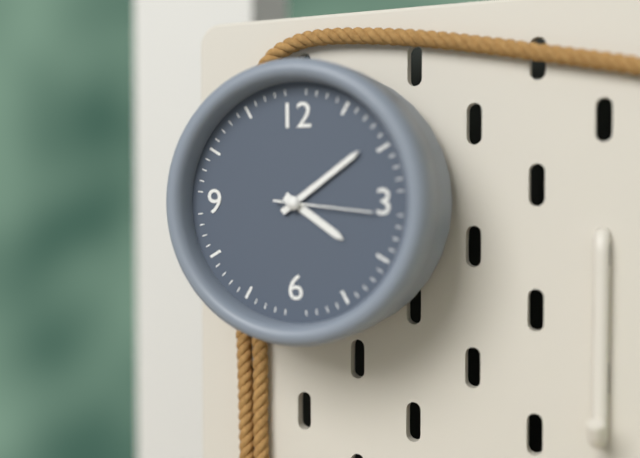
4:09:16
